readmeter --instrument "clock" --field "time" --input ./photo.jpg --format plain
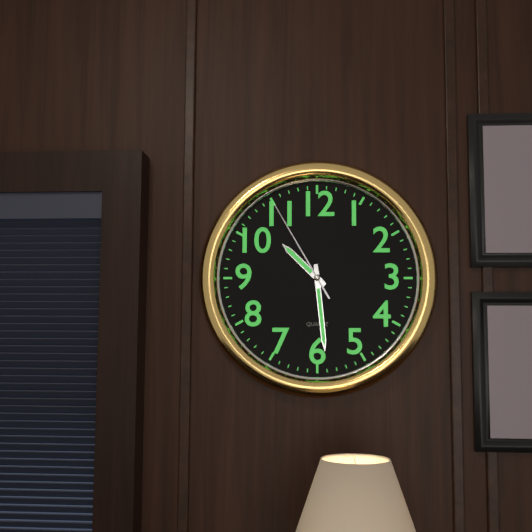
10:29:55
